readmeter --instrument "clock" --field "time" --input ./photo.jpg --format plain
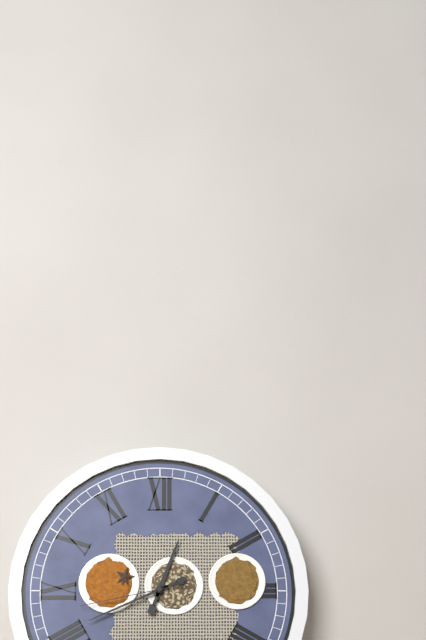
12:41:43
